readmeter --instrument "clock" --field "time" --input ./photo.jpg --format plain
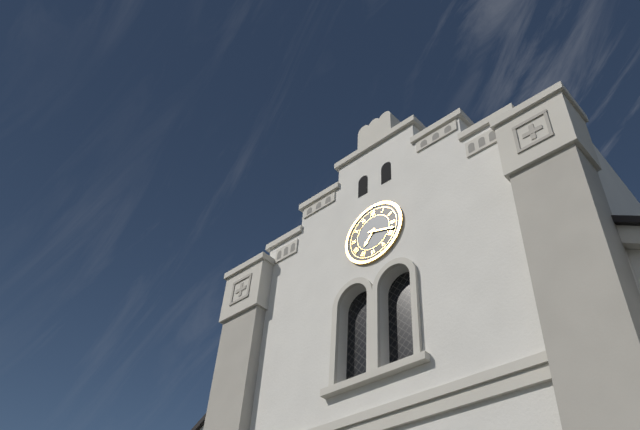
7:18
